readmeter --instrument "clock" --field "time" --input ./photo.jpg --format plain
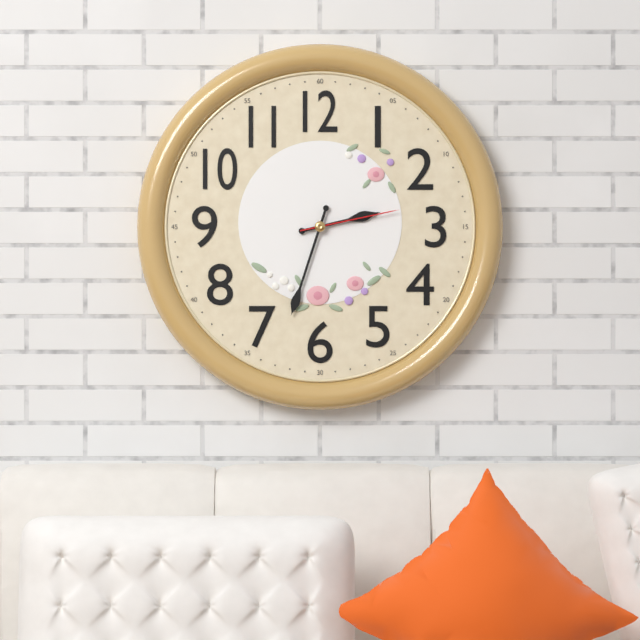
2:33:13
